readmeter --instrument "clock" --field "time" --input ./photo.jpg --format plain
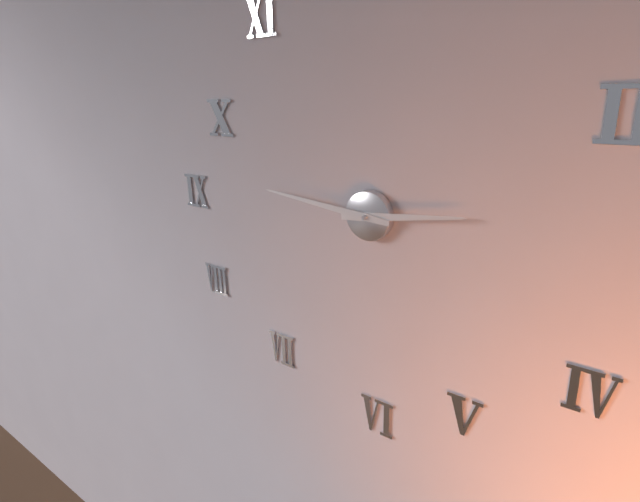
2:46
